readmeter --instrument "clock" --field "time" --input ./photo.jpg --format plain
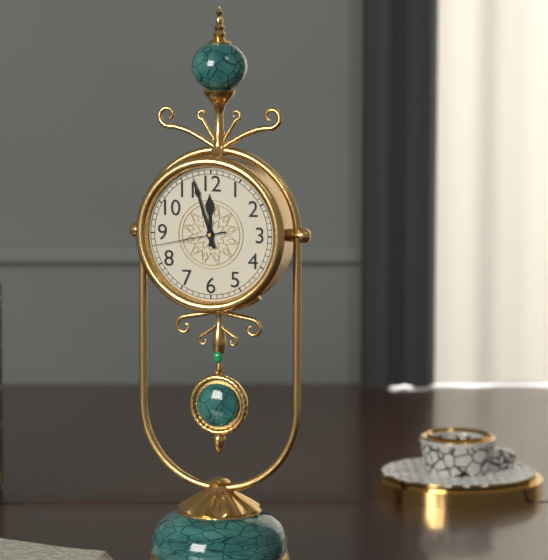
11:57:43
